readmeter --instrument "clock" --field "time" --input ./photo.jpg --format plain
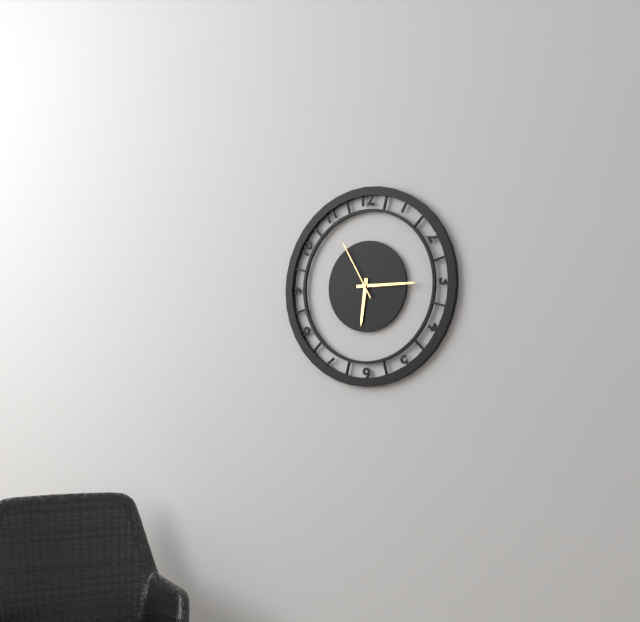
6:15:55
